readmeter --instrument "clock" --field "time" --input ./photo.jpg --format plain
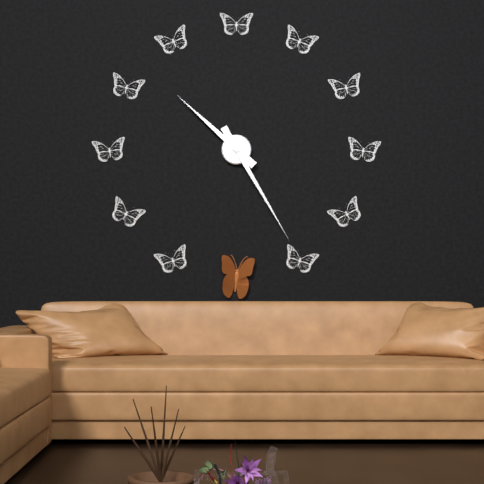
10:25
